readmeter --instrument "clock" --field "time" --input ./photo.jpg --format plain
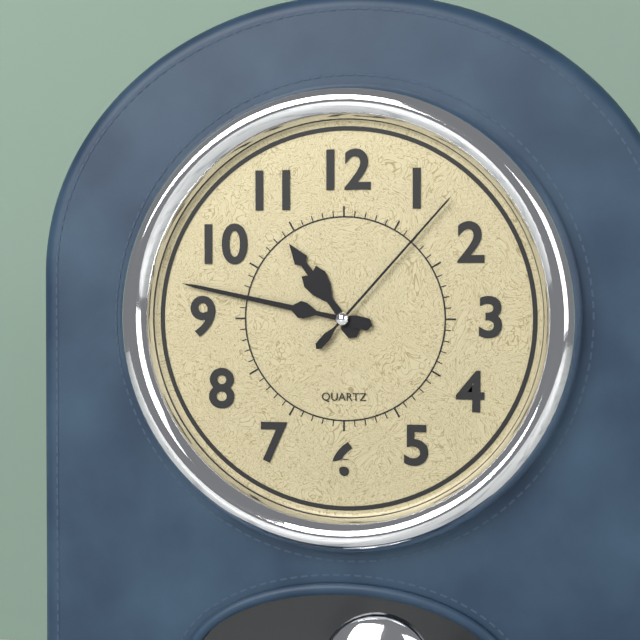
10:47:07
